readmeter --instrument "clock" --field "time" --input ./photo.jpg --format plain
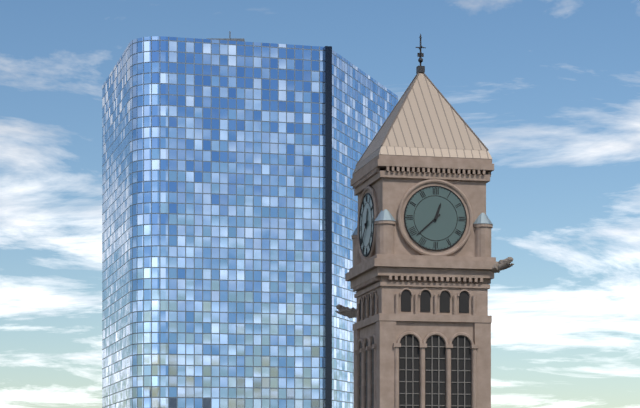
12:38
